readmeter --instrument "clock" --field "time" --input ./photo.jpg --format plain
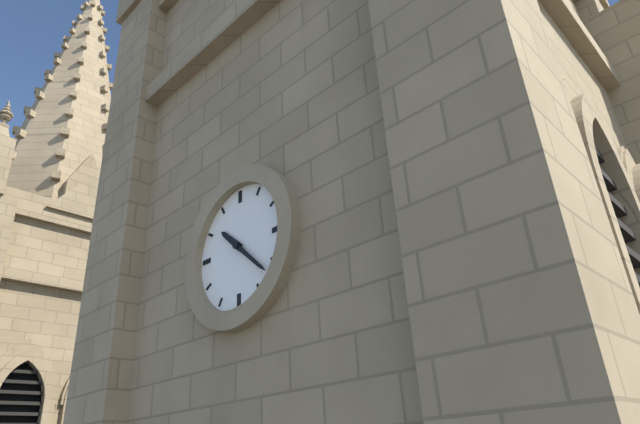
10:22
